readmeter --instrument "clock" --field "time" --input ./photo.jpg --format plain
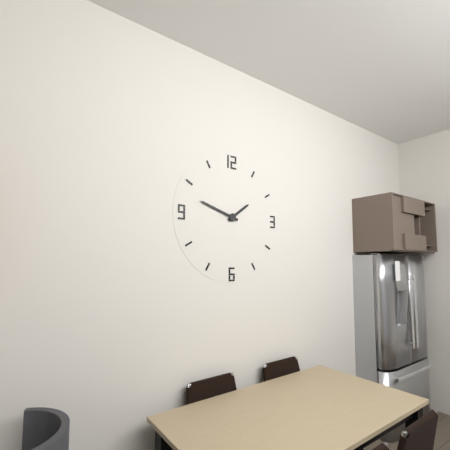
1:48
